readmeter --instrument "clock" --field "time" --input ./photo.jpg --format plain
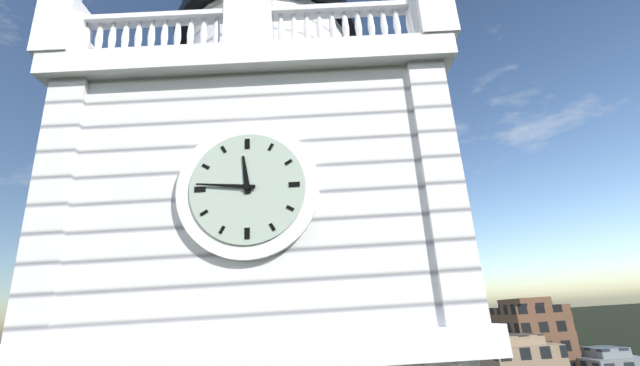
11:46
